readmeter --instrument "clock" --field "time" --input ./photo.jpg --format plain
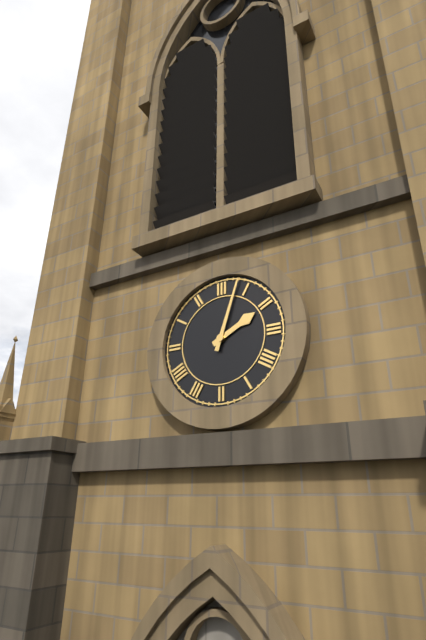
2:03
